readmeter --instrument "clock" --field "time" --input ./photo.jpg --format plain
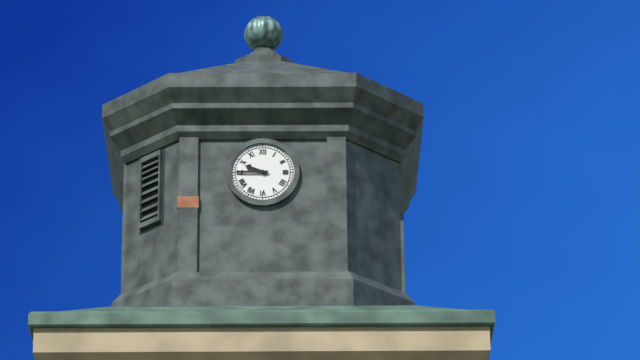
9:45
